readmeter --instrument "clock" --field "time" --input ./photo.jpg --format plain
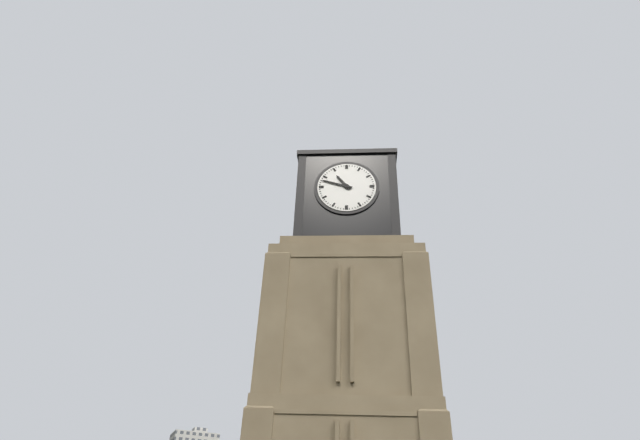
10:48
